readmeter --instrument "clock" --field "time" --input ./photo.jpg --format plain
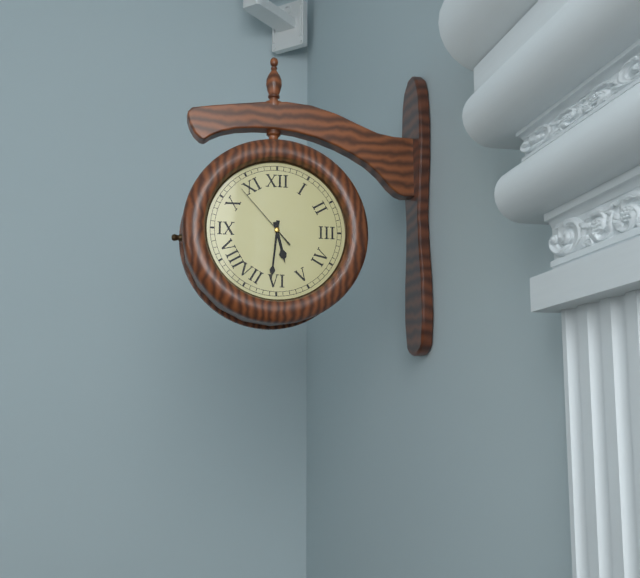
5:31:53
